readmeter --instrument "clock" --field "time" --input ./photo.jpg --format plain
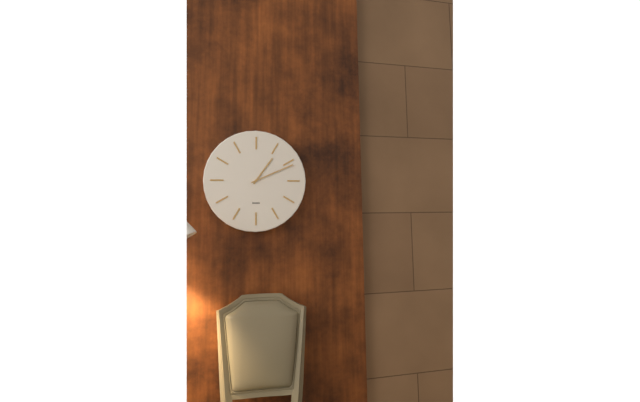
1:11
